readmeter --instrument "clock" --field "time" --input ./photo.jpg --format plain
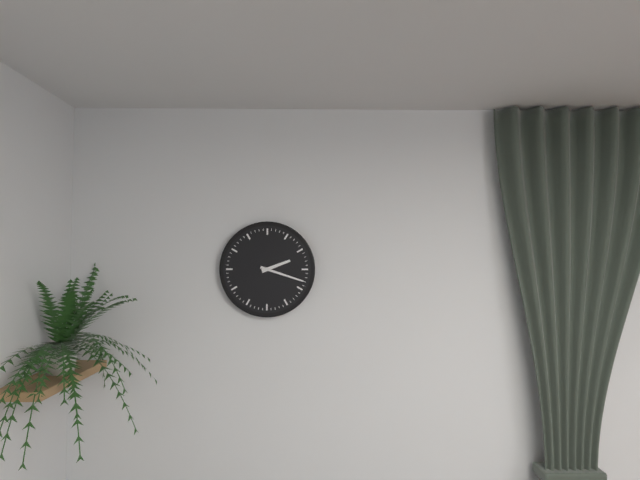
2:18
